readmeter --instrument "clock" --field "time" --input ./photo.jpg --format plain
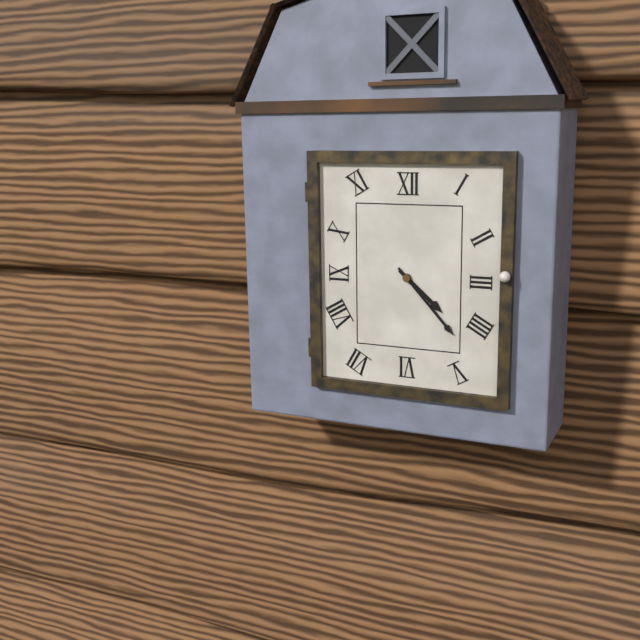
4:23
